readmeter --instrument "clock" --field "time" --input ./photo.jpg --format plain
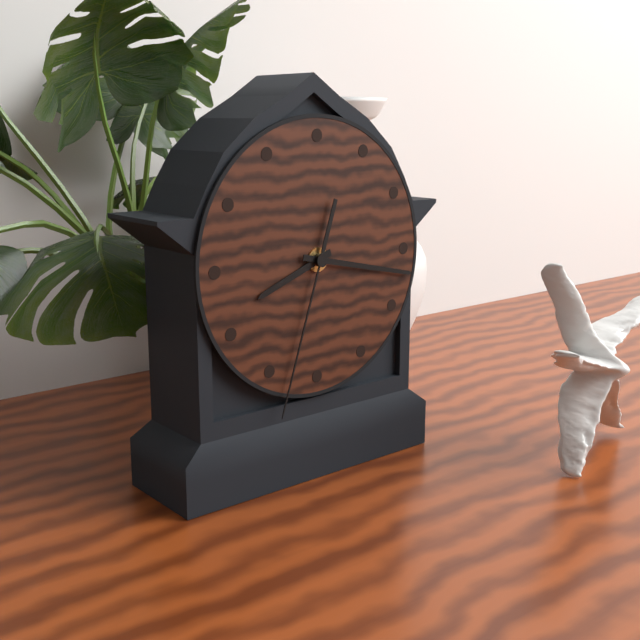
8:17:33
